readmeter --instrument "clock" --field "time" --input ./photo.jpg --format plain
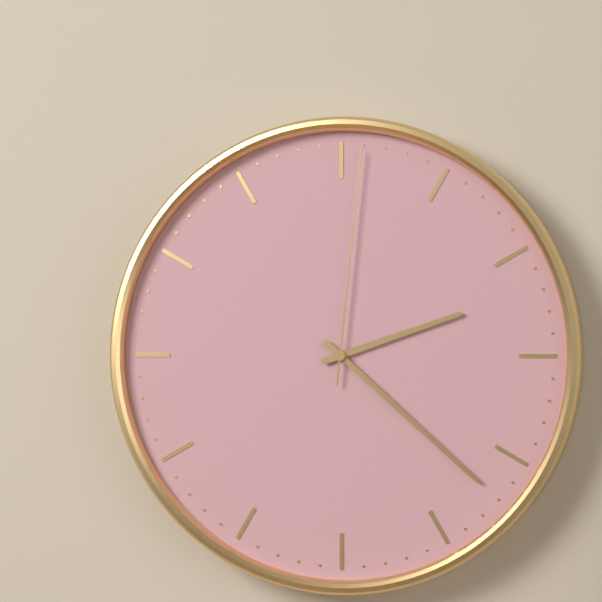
2:22:01
